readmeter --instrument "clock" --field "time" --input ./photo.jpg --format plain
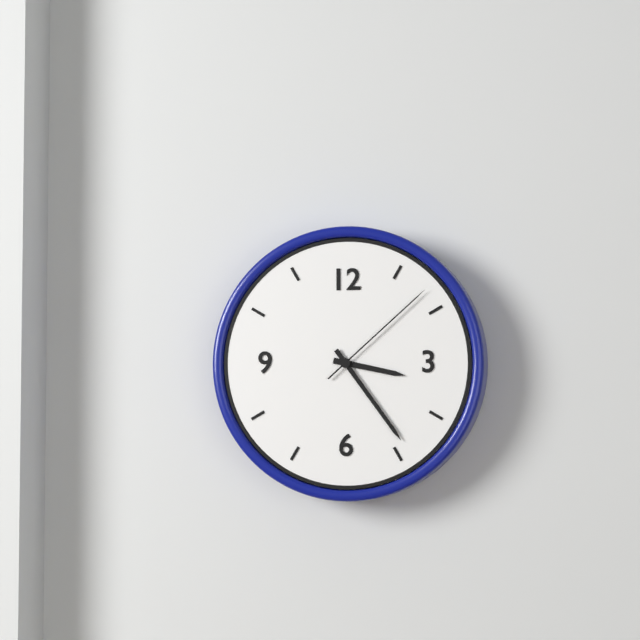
3:24:08
